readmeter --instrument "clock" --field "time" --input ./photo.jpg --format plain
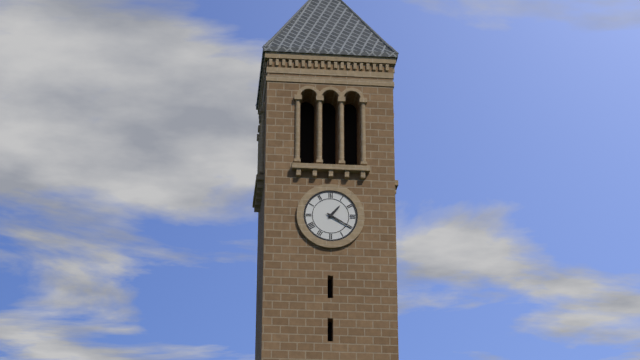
1:20
